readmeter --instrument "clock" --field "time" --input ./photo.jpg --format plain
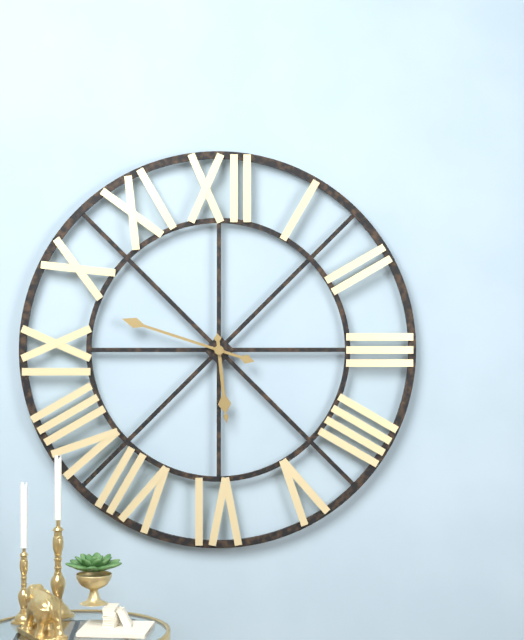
5:48
